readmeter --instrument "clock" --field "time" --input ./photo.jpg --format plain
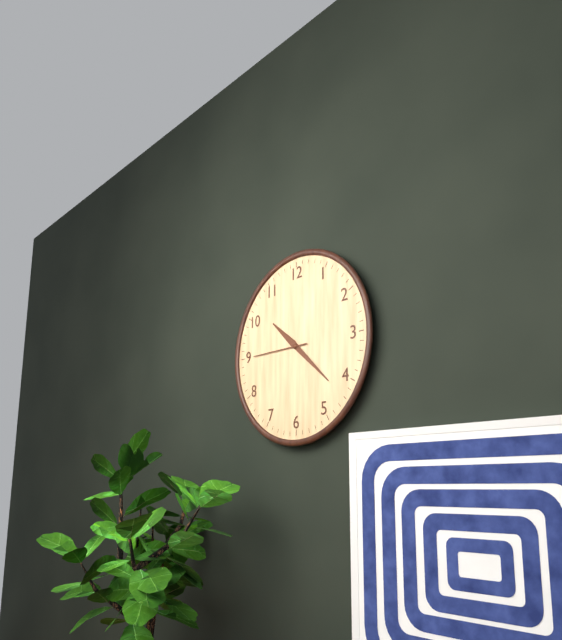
10:22:45
